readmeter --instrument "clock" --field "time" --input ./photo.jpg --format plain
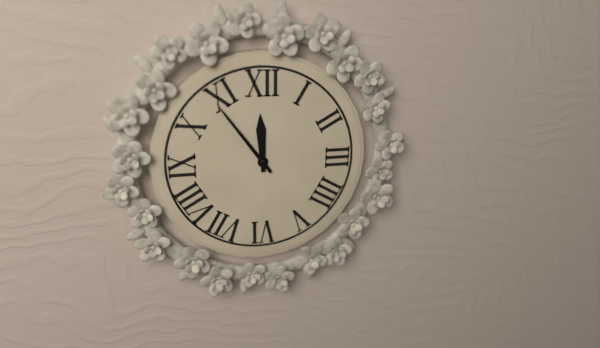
11:54
